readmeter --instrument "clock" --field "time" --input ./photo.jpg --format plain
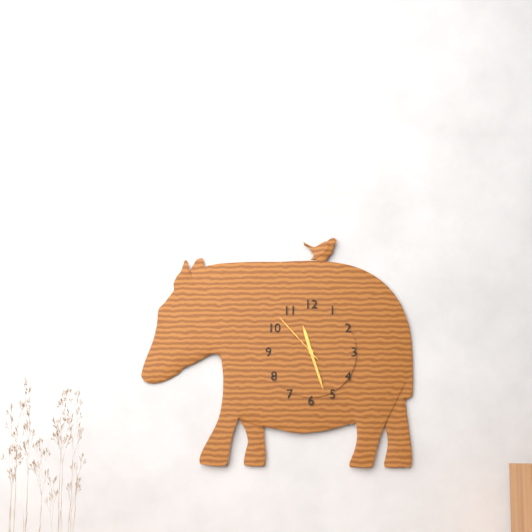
11:27:53
